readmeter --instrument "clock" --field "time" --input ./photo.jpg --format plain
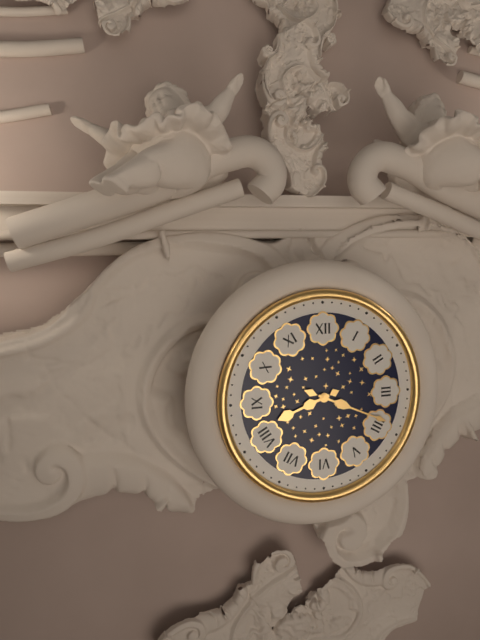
8:19
